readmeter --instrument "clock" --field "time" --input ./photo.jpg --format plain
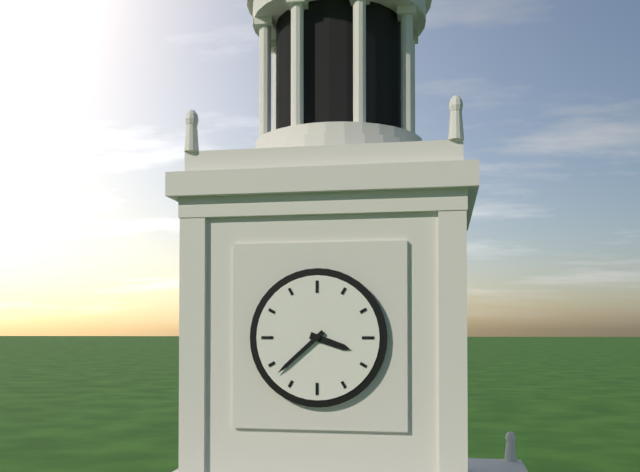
3:38
